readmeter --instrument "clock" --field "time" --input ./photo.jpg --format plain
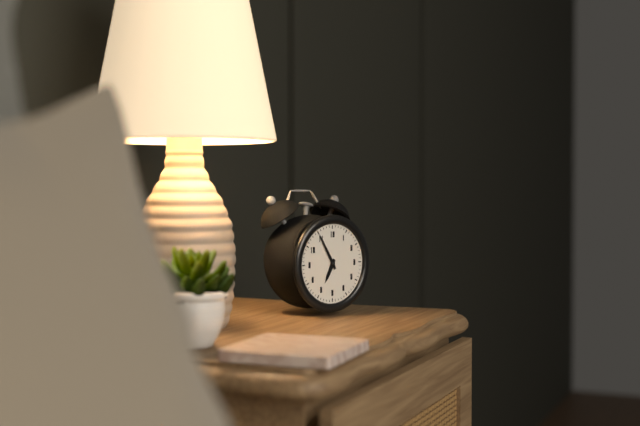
6:55
